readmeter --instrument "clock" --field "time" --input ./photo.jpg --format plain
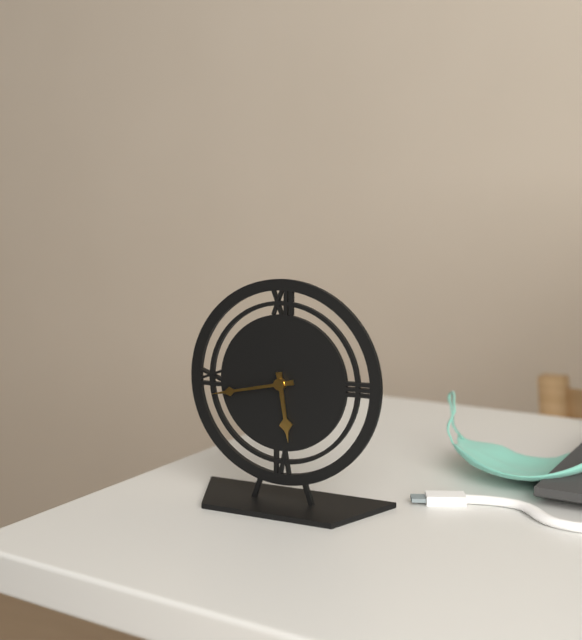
5:43
